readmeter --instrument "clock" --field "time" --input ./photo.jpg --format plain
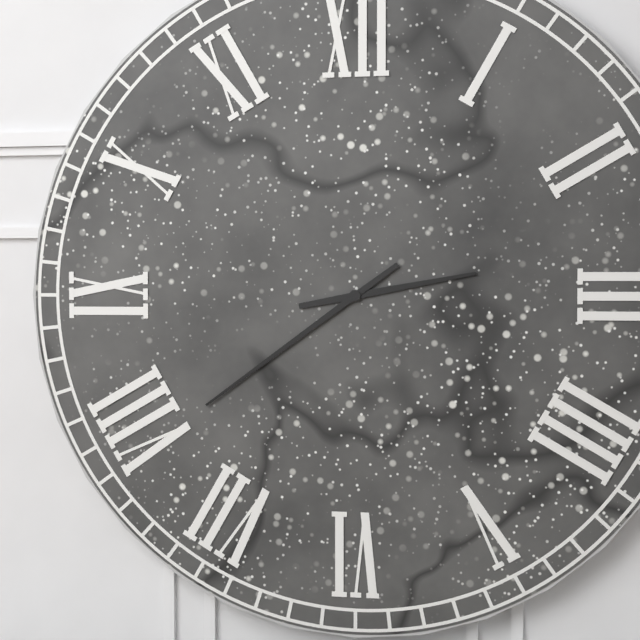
2:39
